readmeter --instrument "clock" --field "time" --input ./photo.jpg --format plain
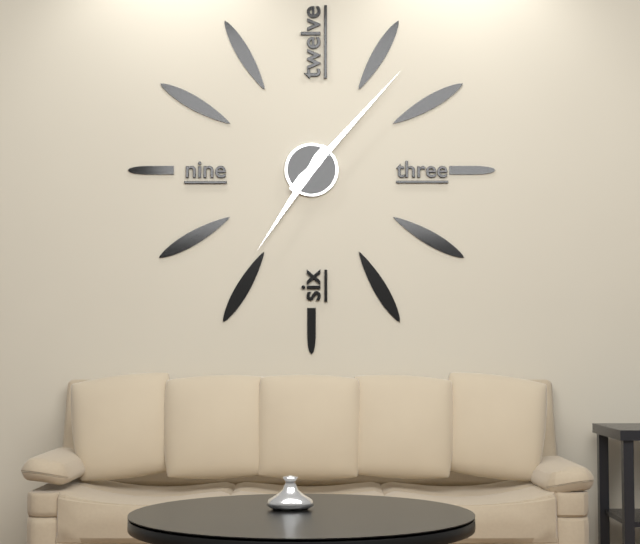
7:07
